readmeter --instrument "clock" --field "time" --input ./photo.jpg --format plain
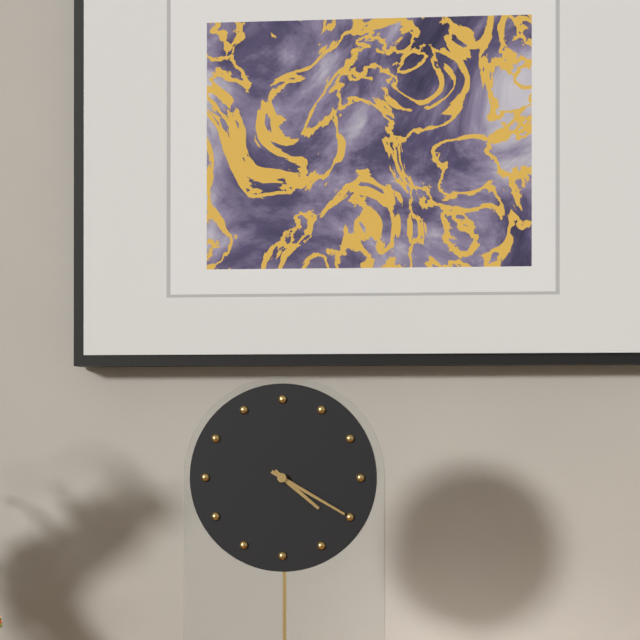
4:20
